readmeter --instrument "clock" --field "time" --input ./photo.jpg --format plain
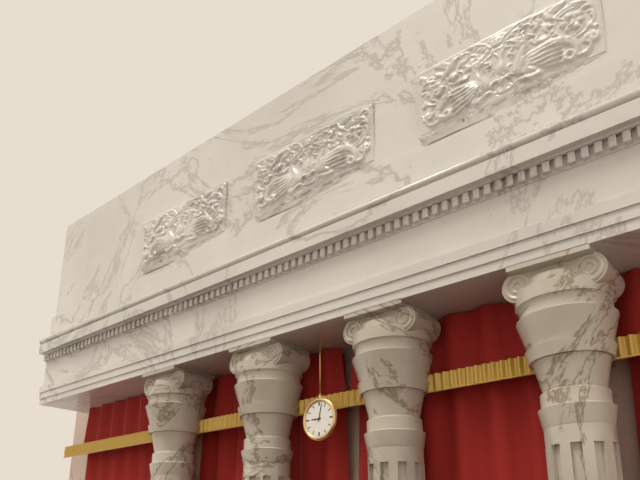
9:02
